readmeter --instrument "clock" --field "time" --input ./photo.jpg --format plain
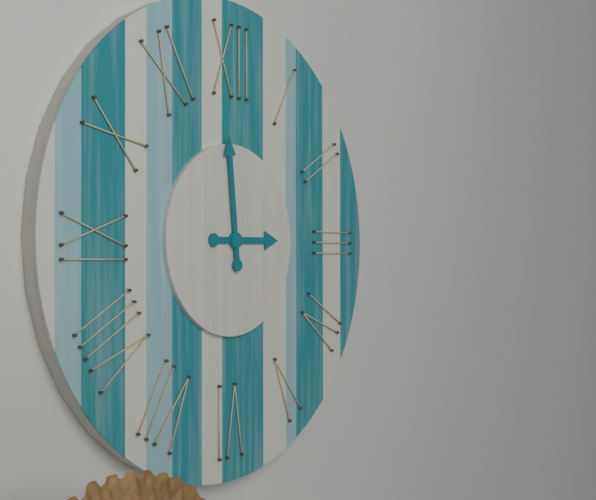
2:59
